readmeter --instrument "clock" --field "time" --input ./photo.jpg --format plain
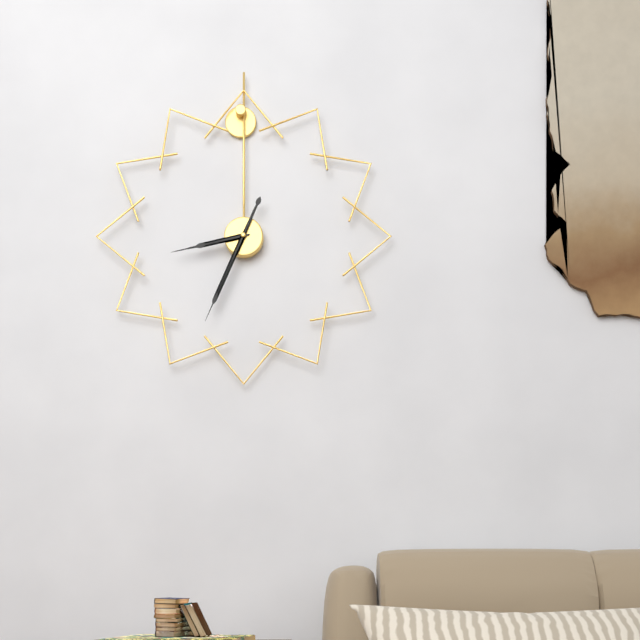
8:34
